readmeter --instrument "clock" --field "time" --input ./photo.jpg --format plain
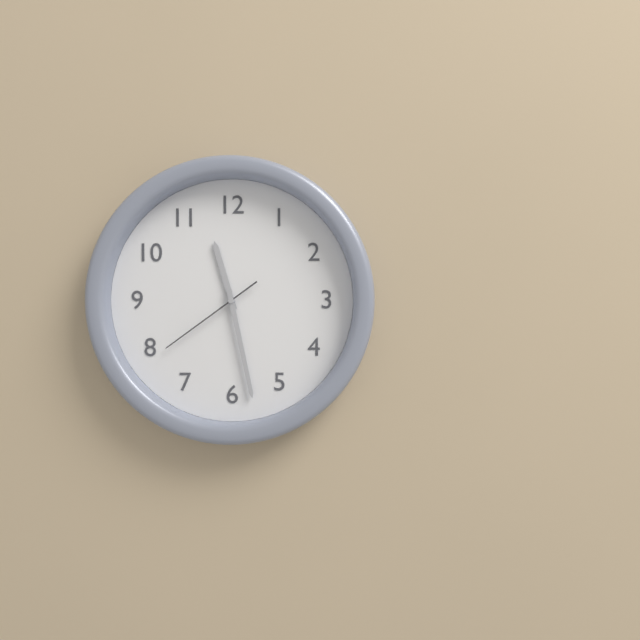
11:28:39
